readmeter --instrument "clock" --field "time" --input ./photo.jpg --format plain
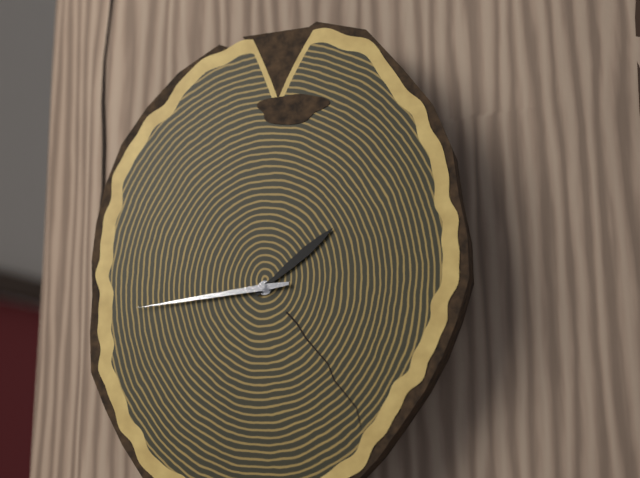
1:44
